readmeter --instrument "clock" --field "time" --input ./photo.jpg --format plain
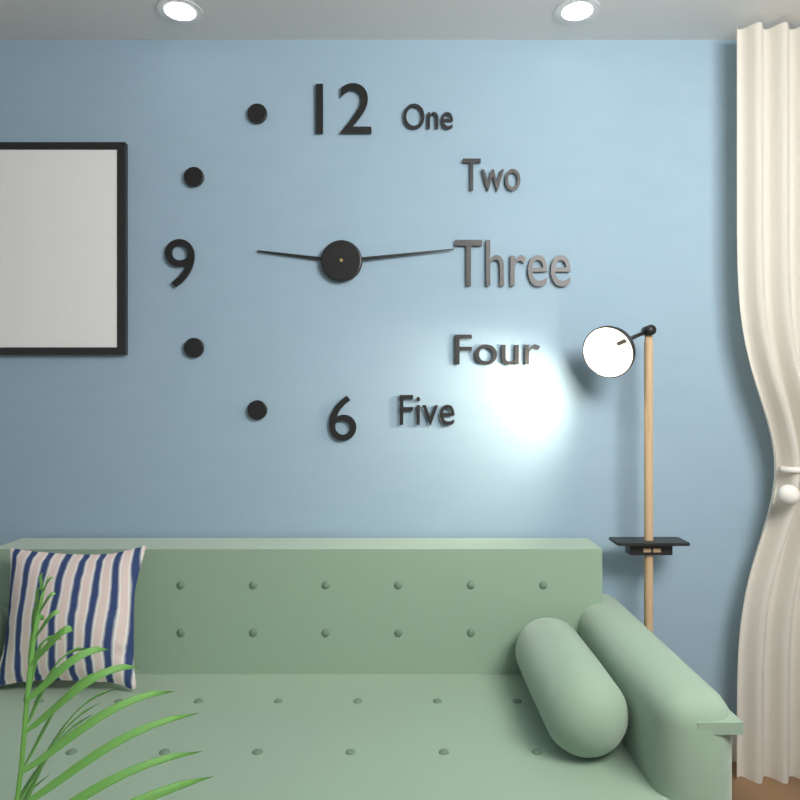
9:14
